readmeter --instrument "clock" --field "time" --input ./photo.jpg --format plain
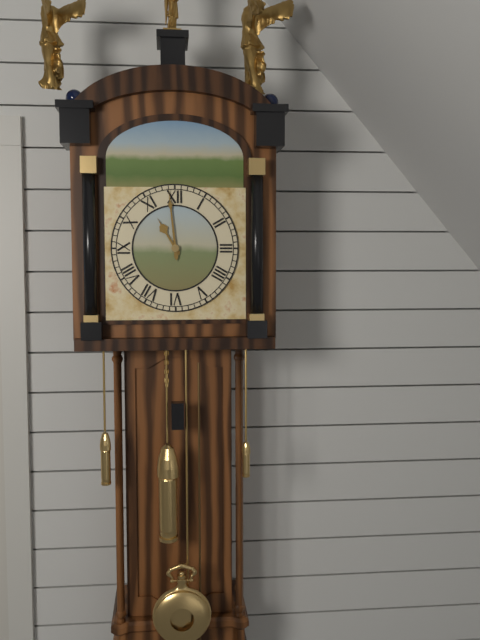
10:59
